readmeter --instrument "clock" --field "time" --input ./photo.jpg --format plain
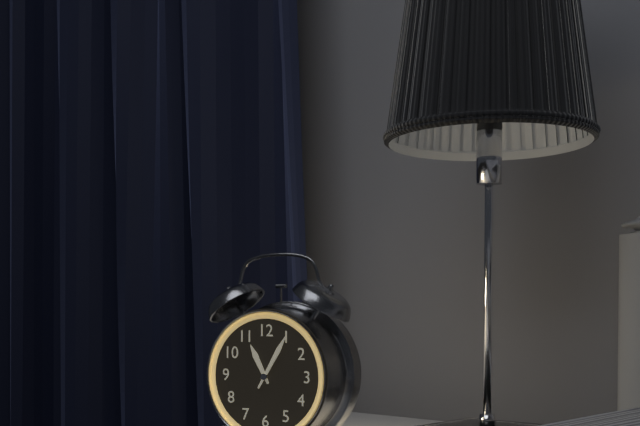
11:05
